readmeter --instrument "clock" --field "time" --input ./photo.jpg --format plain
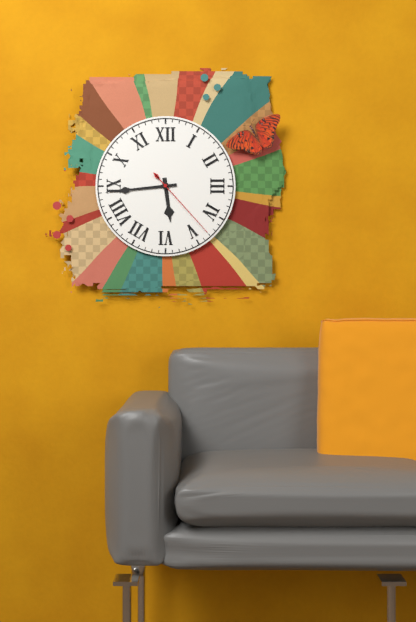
5:44:23
